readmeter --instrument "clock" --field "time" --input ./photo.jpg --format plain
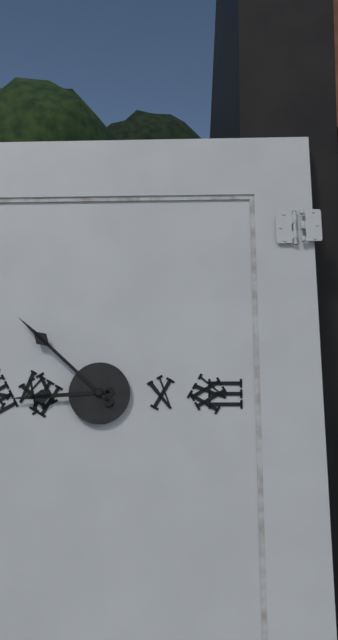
8:52
